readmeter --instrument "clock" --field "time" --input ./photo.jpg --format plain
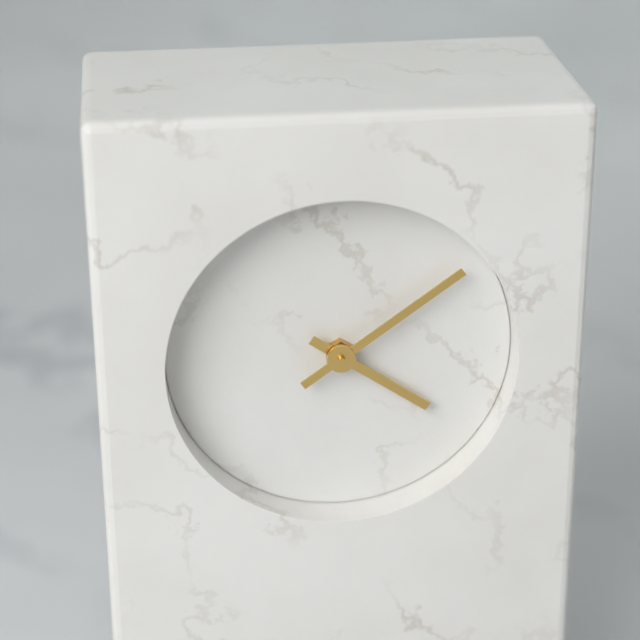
4:09
